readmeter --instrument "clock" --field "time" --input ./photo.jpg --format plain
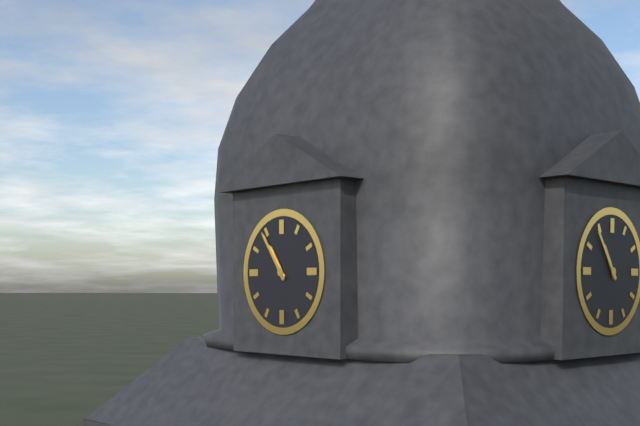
10:54
